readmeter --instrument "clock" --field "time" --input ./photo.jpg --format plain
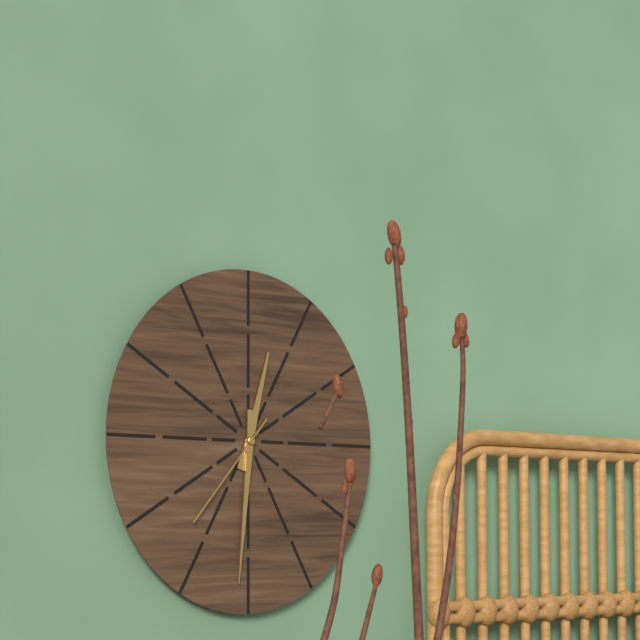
12:31:37
